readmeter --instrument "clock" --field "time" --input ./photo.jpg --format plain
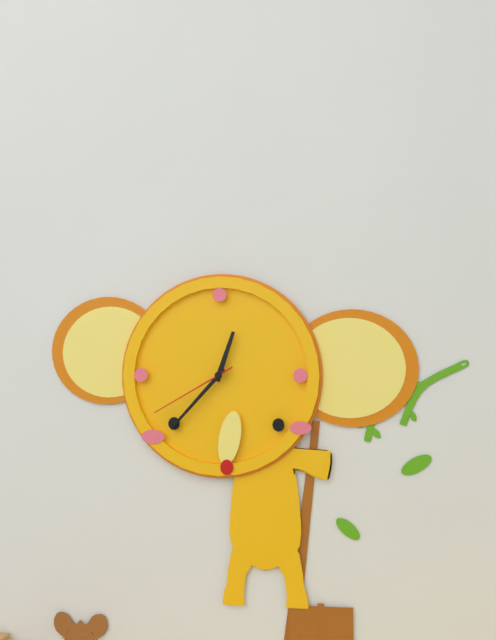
12:37:40
